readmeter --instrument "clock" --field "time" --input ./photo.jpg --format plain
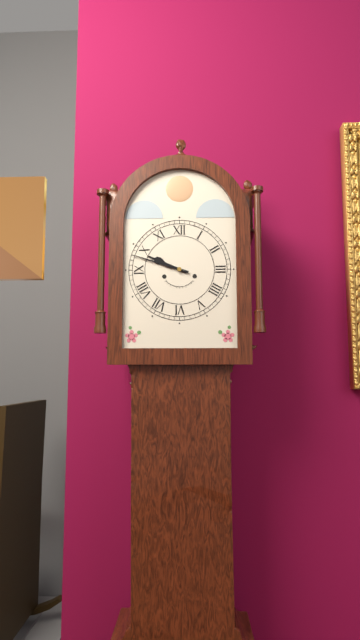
9:48
